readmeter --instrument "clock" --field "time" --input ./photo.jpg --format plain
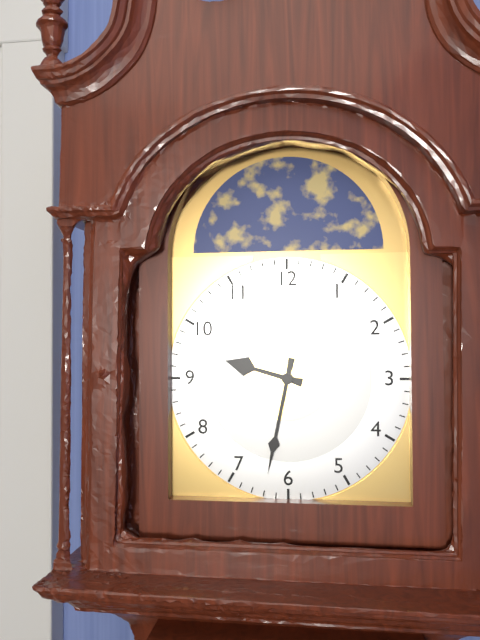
9:32
